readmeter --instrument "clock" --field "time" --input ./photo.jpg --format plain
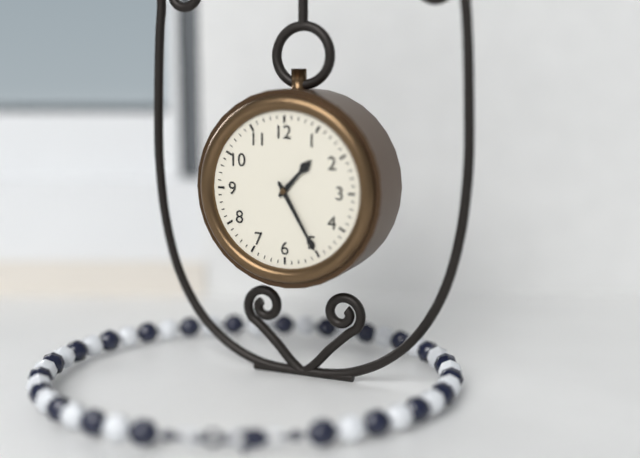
1:25
